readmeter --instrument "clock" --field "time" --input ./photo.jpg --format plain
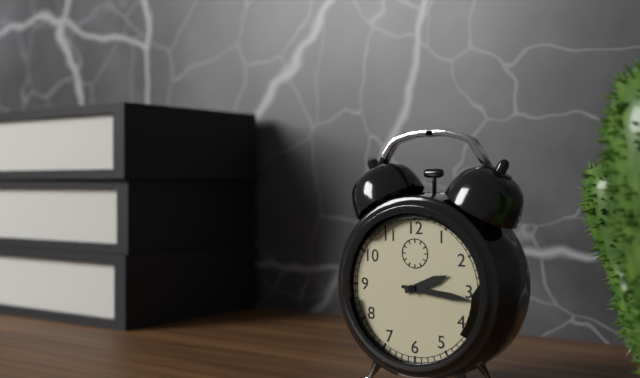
2:16
